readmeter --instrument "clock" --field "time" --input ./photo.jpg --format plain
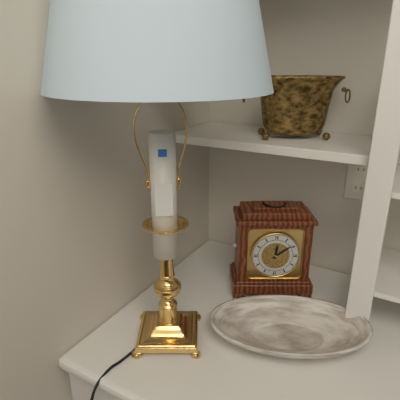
12:09
